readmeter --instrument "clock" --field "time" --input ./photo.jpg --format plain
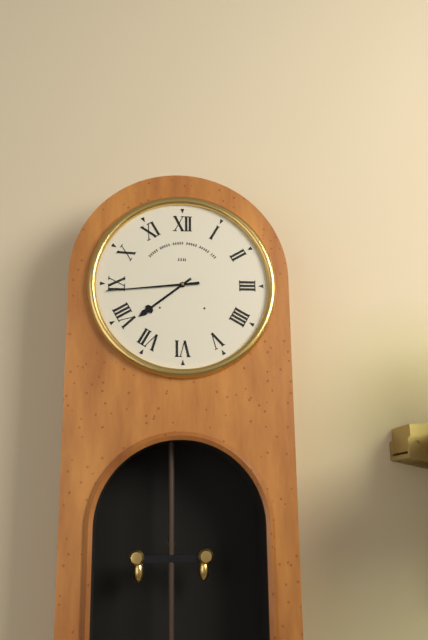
7:44
